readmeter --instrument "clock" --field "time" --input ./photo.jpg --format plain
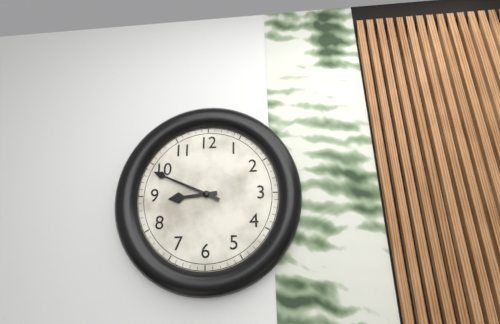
8:49
